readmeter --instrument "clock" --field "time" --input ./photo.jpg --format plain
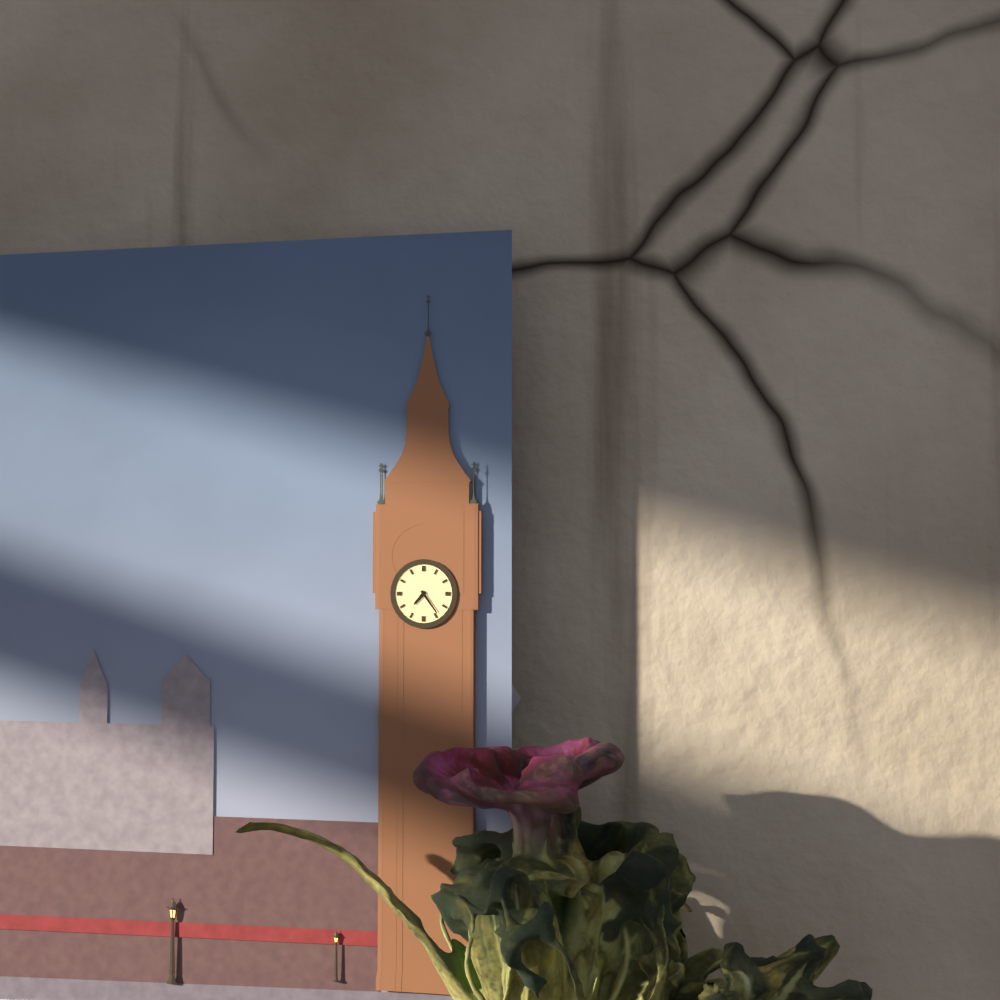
7:24
